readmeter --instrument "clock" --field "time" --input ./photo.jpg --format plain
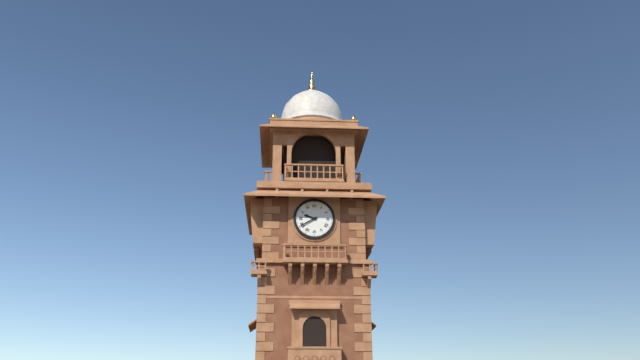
9:40
